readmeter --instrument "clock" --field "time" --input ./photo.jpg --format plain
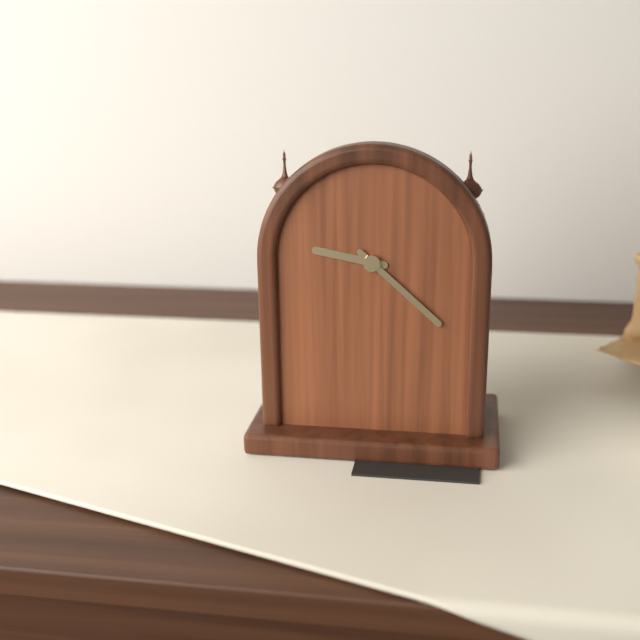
9:22
